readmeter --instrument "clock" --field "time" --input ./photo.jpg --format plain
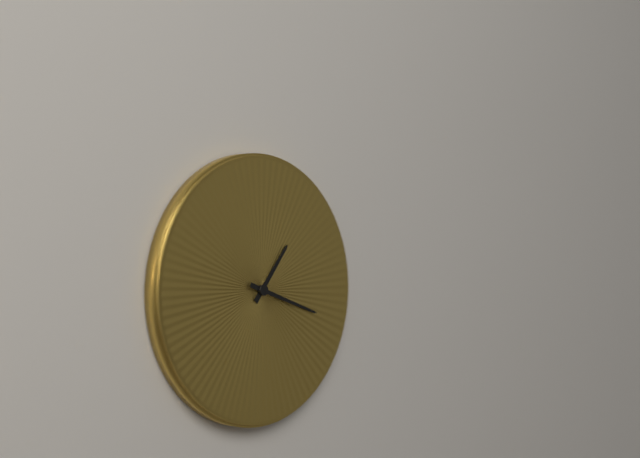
1:18
